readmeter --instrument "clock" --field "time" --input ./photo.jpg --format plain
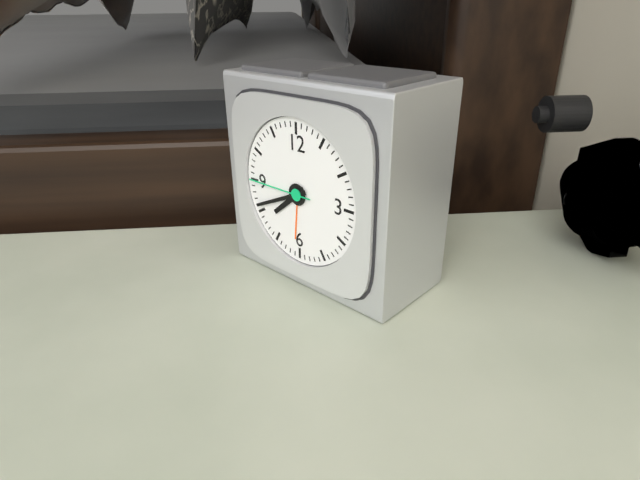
7:41:45
